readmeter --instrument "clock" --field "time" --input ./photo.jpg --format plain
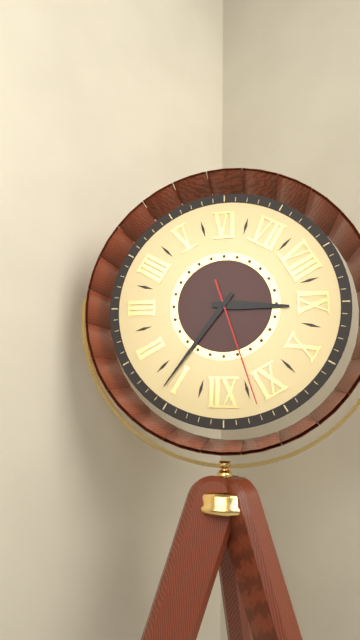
9:06:57
